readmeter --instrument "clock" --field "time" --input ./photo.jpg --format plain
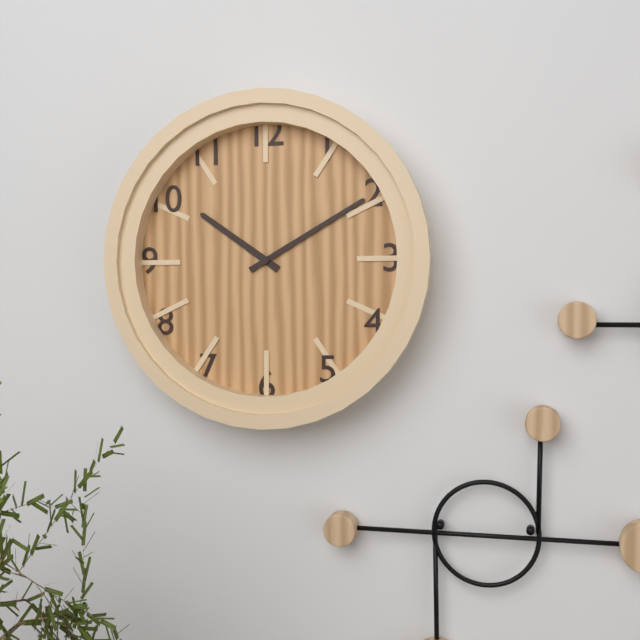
10:10
